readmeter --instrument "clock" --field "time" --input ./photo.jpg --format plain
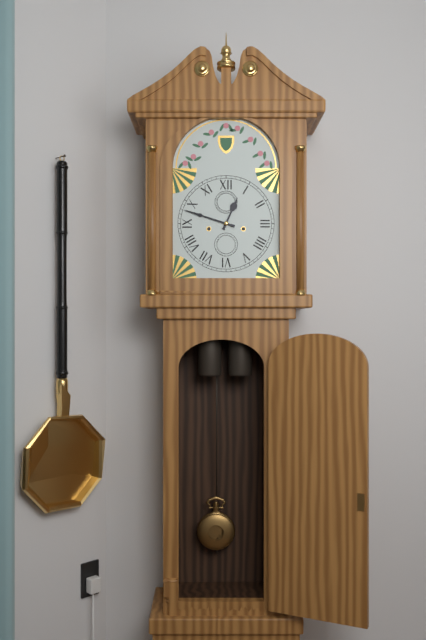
12:48
